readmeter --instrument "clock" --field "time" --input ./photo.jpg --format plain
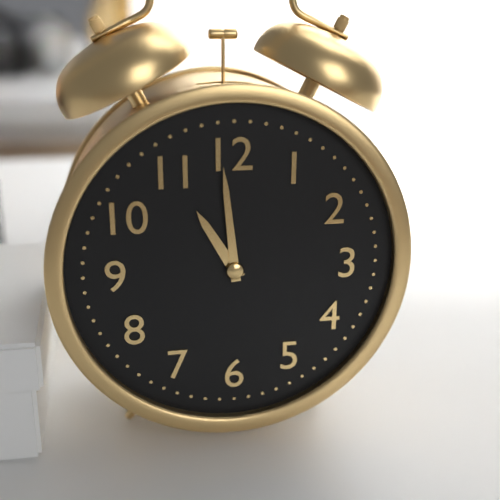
10:59
